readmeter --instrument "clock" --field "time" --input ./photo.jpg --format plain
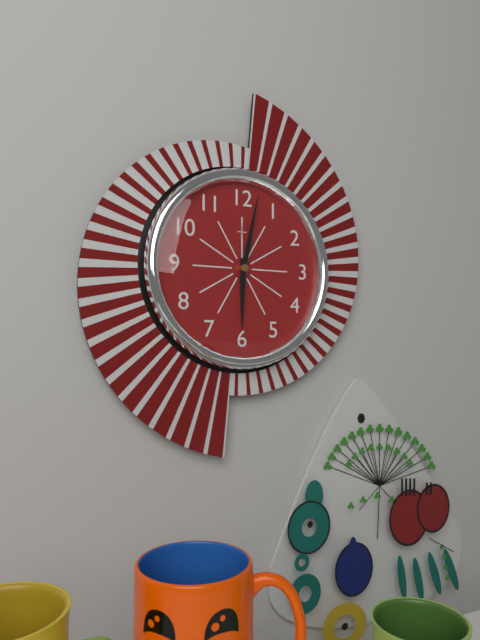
6:02
